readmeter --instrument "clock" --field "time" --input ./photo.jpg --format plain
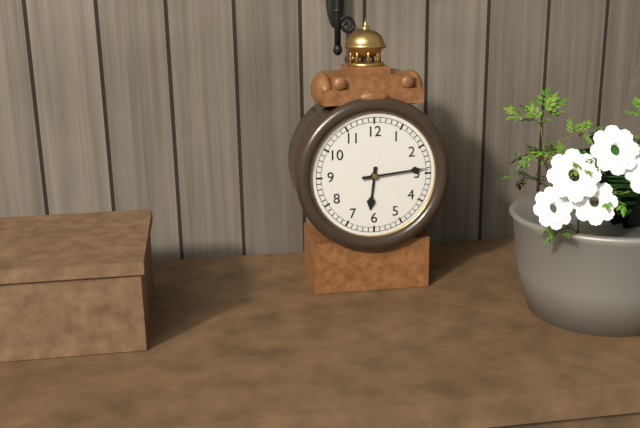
6:14
